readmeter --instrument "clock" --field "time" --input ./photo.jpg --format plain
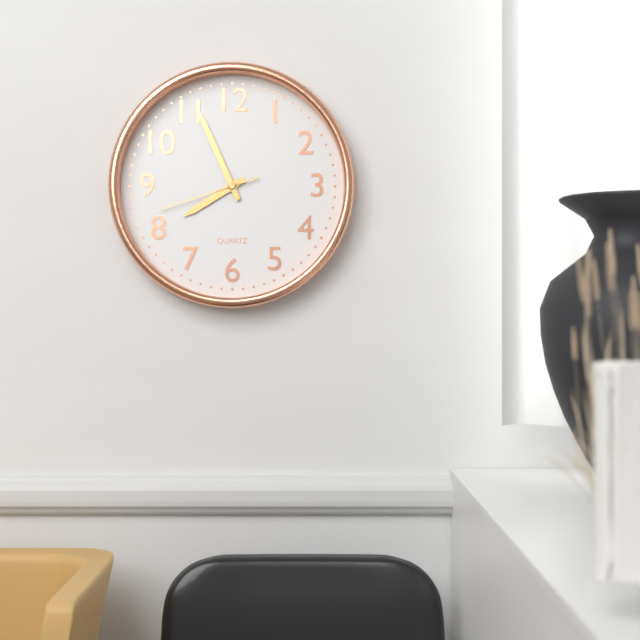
7:56:42
